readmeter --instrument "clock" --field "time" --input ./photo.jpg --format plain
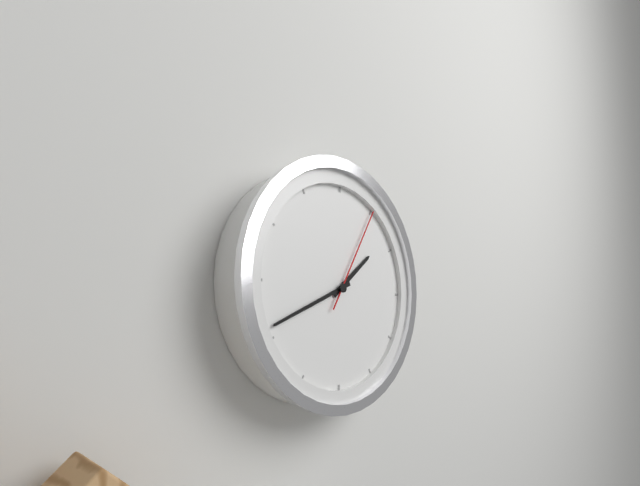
1:41:05
